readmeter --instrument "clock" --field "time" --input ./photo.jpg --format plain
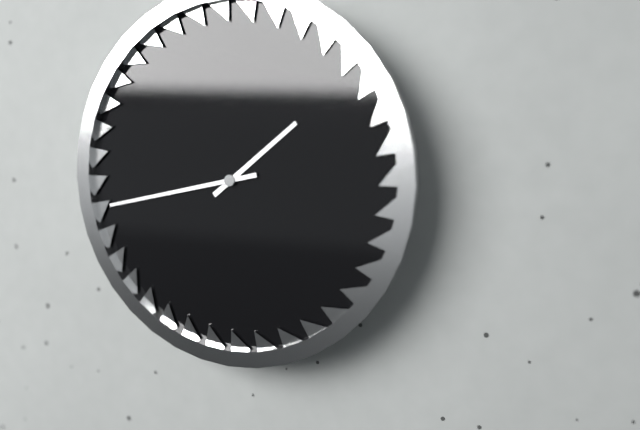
1:43
